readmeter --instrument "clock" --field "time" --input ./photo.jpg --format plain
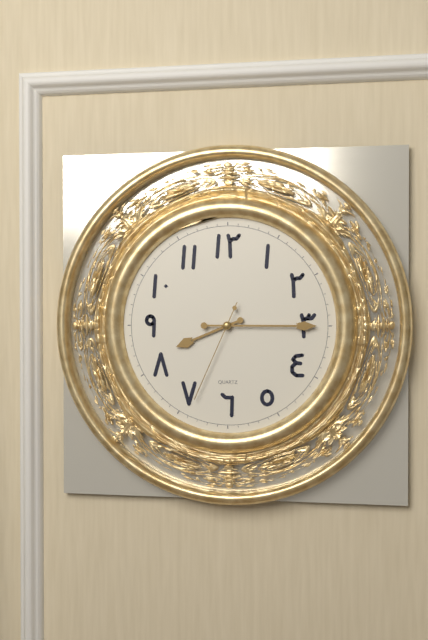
8:15:34
